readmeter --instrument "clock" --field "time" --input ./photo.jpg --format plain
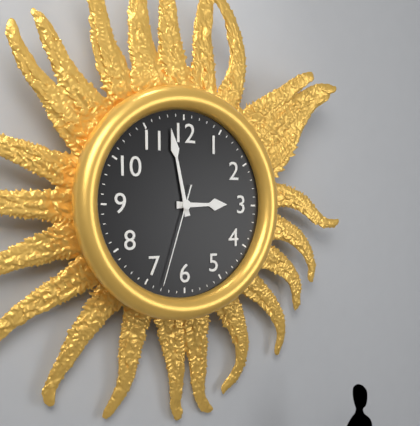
2:58:33
